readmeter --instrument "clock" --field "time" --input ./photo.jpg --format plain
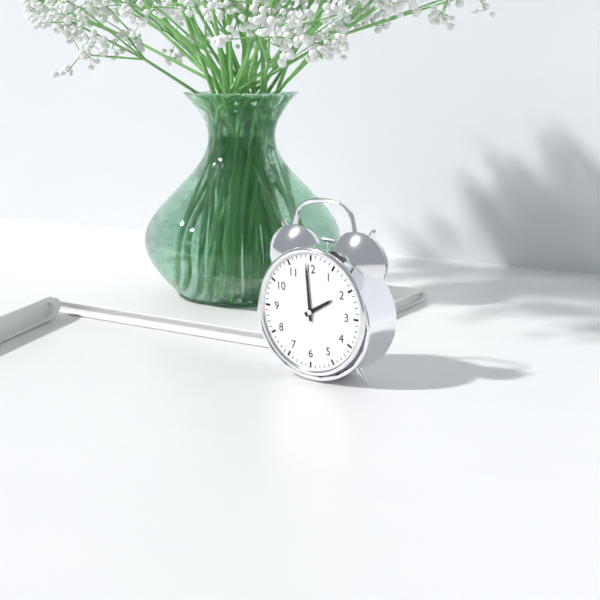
1:59
